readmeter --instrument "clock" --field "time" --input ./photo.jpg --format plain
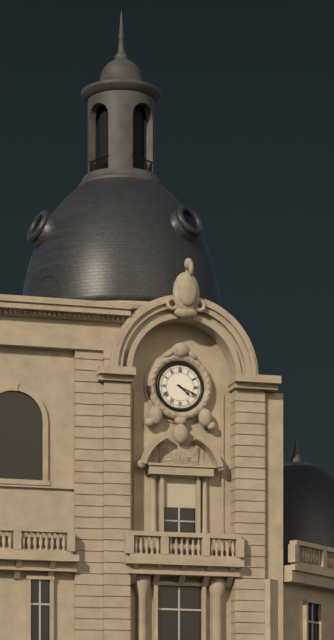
4:19
